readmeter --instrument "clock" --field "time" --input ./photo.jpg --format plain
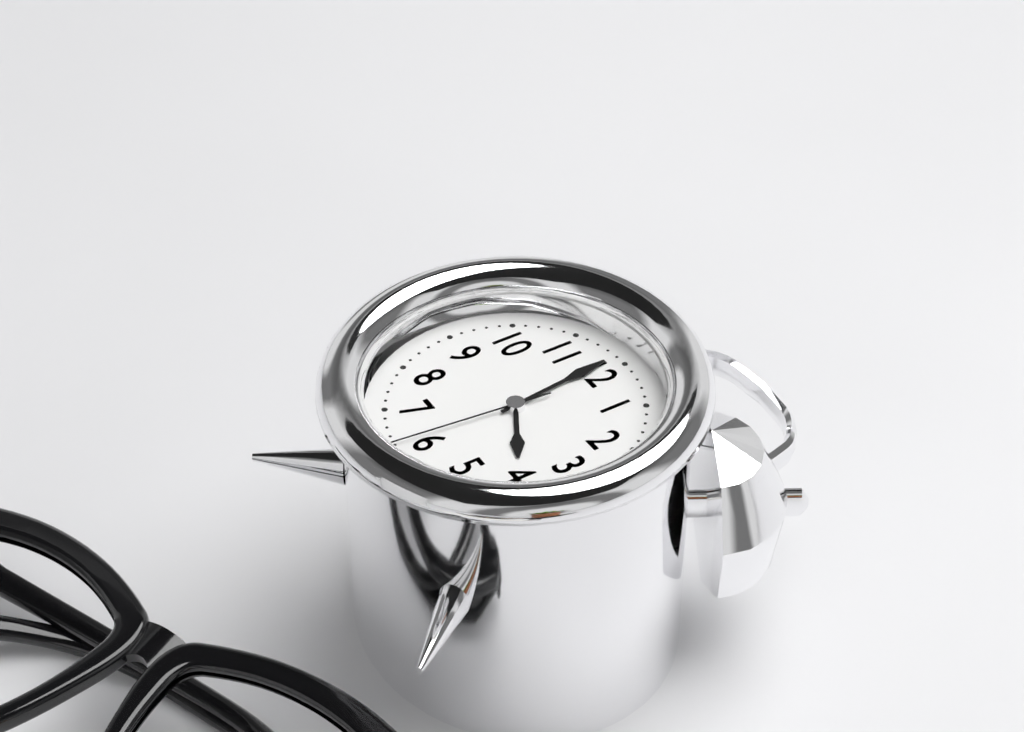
3:59:31
